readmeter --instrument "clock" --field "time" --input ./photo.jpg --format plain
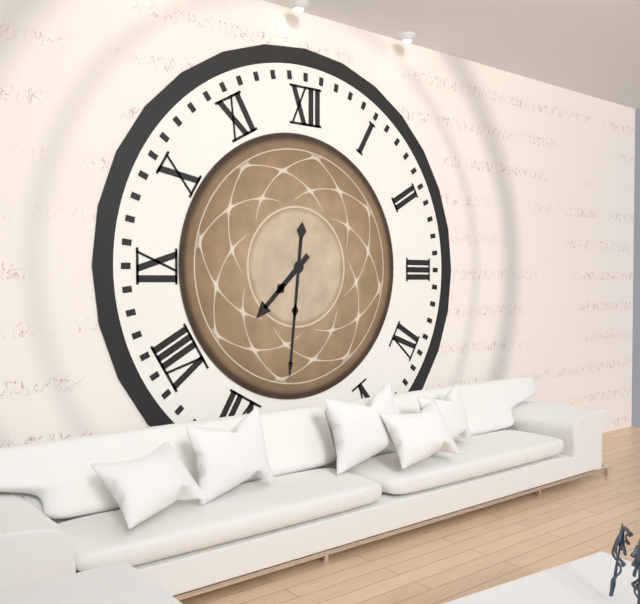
7:31
